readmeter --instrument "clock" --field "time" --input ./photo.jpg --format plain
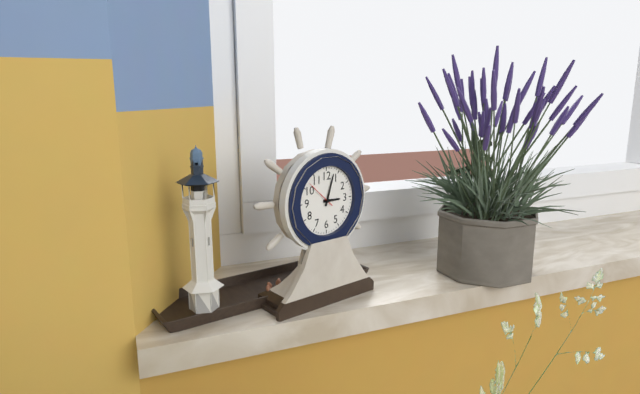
3:03
